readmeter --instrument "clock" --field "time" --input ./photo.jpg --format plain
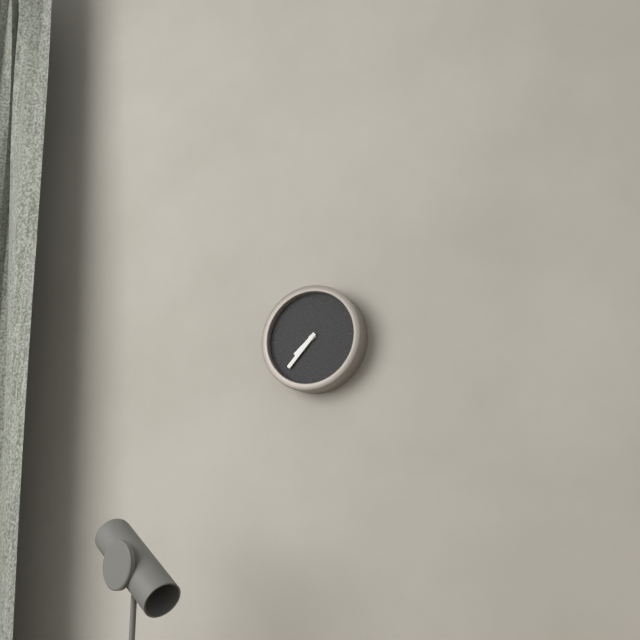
7:37
